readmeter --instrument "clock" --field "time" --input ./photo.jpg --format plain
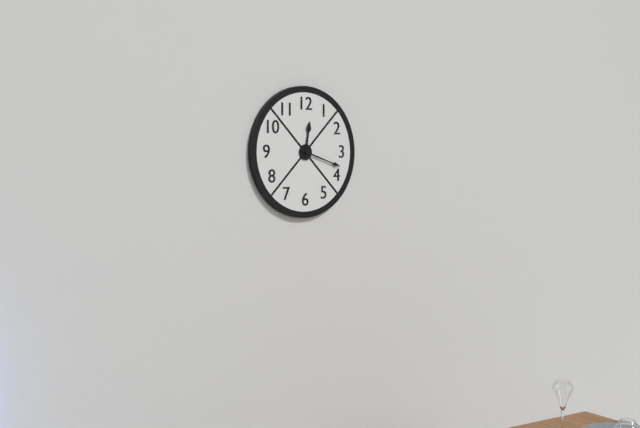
12:18
